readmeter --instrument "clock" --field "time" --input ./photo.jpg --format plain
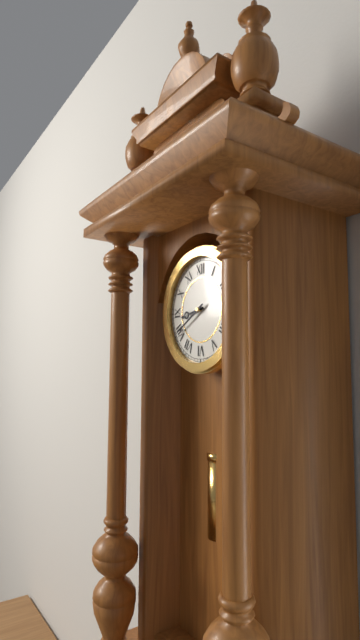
8:40
